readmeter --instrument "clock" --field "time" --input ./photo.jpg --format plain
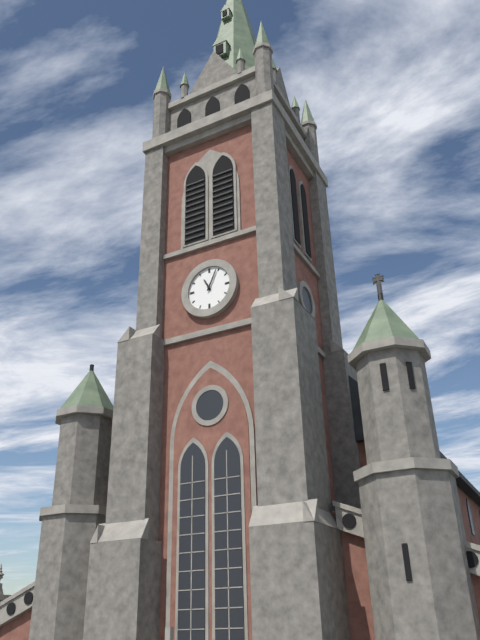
11:04
